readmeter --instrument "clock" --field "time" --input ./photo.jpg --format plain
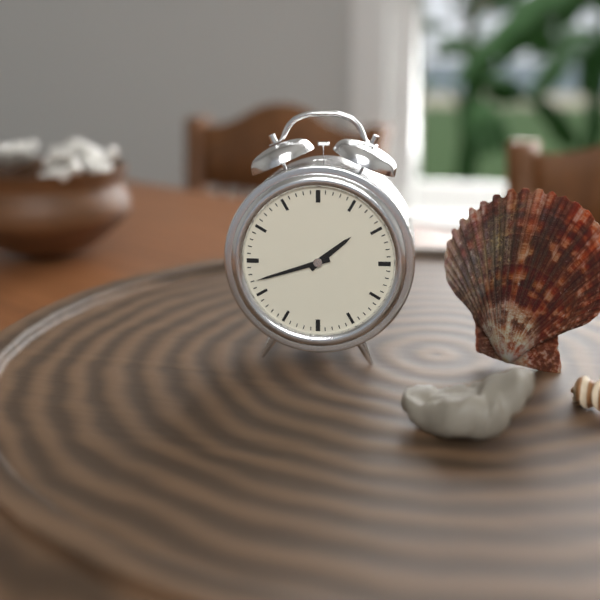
1:42
